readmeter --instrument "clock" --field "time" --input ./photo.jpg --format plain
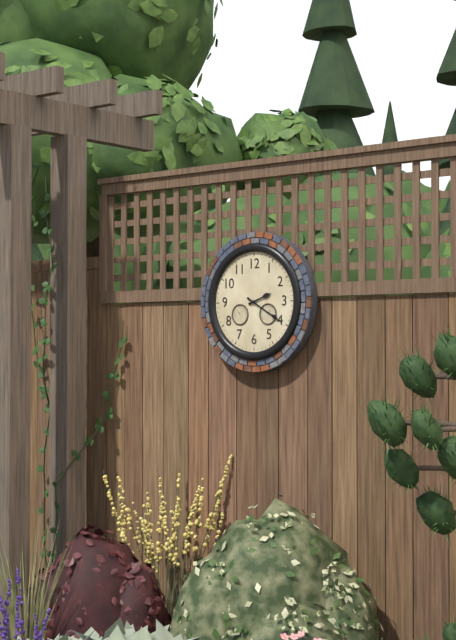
2:20
